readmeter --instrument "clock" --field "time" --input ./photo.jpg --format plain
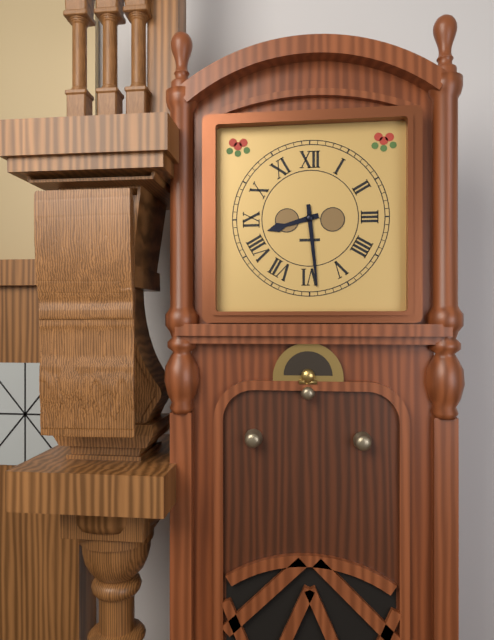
8:29
